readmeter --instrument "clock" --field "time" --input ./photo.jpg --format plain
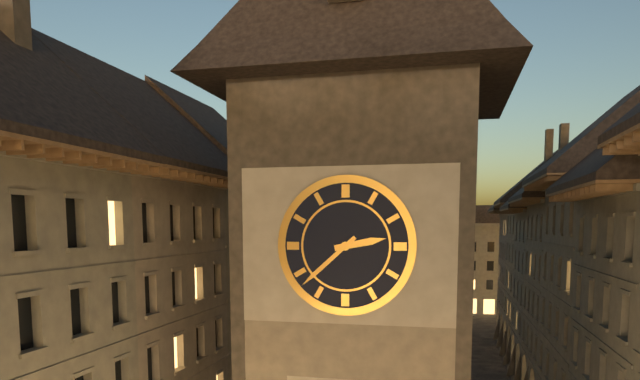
2:38
